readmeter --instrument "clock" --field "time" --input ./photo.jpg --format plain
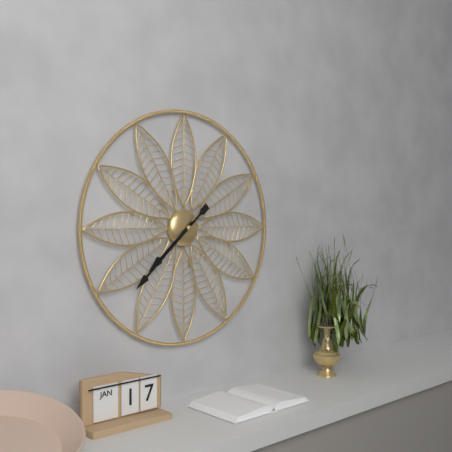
7:38
